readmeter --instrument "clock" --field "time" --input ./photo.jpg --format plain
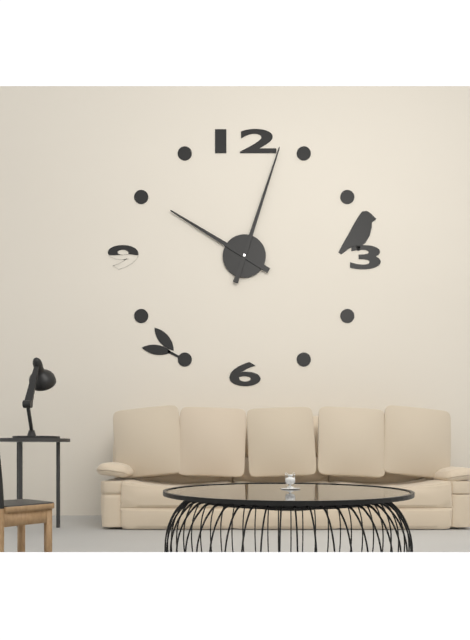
10:03
